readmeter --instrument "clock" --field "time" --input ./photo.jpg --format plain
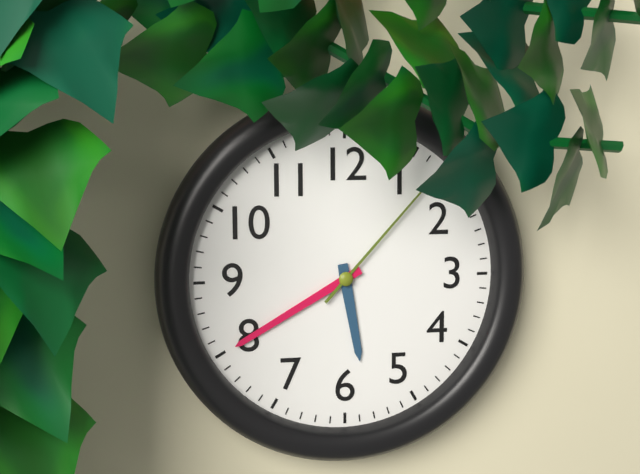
5:40:07
